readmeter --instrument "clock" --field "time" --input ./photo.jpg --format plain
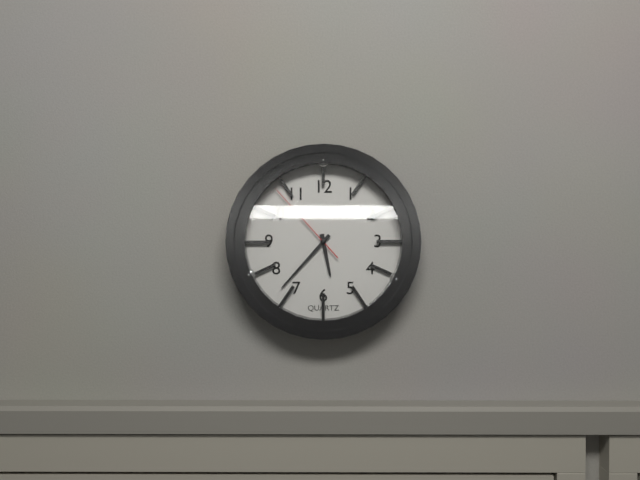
5:37:53
